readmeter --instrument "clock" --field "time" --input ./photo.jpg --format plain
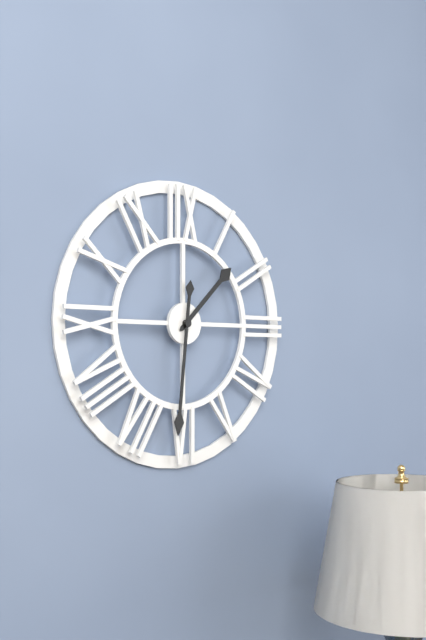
1:31
